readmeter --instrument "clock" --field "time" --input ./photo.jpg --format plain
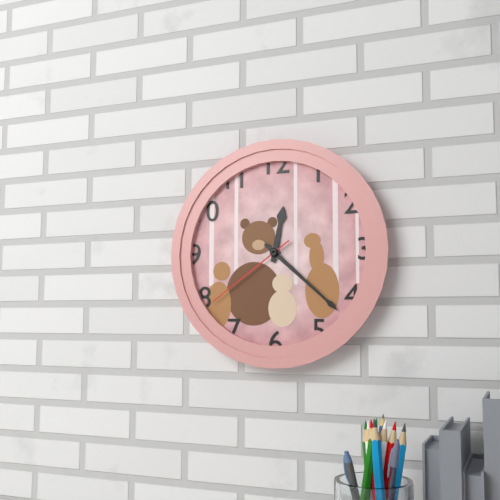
12:22:39
